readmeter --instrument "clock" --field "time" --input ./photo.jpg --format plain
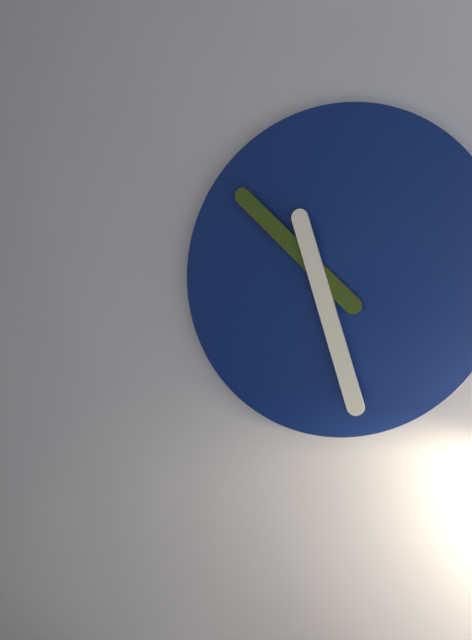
10:27
